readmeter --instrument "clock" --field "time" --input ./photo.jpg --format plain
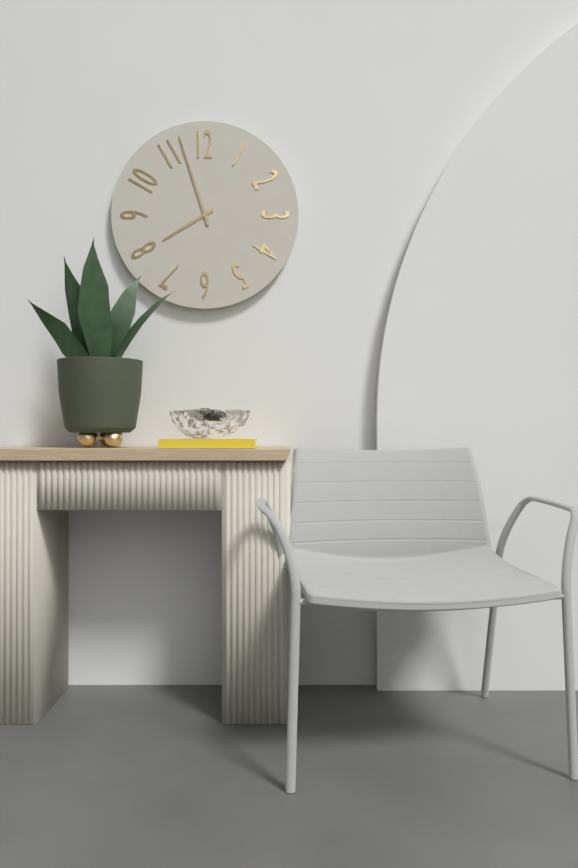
7:57
